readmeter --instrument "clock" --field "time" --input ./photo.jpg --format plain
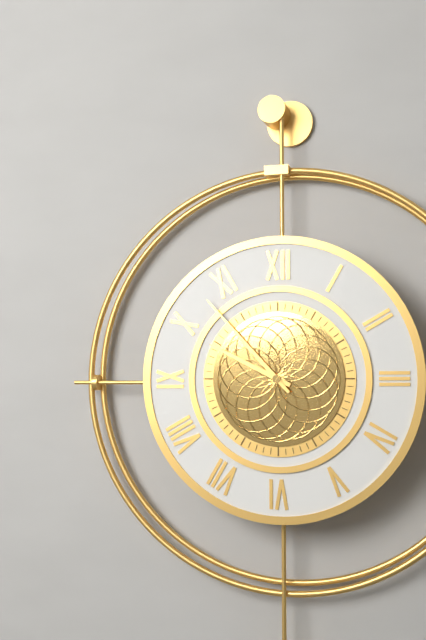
9:53
